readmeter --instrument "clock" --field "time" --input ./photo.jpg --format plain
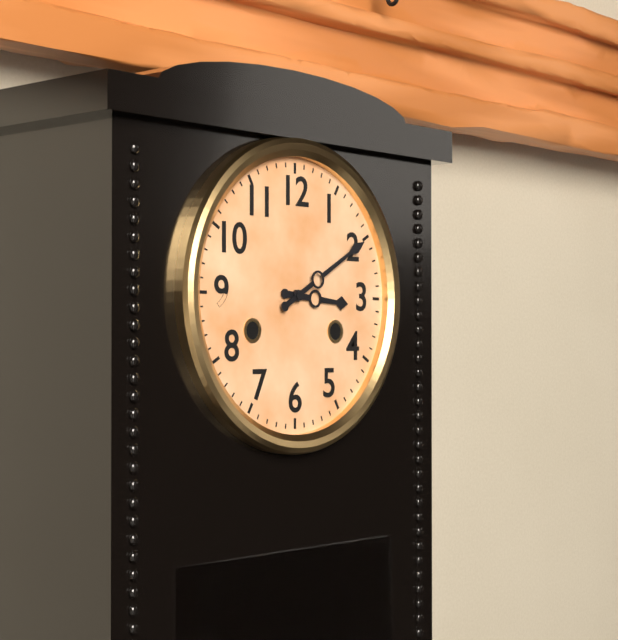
3:10
